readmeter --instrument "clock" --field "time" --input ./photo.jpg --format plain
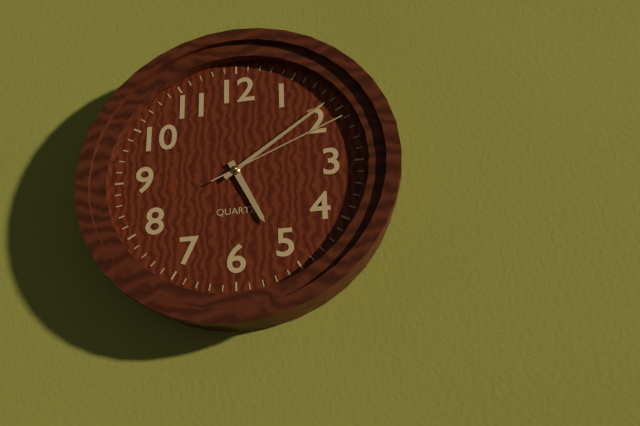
5:09:11
